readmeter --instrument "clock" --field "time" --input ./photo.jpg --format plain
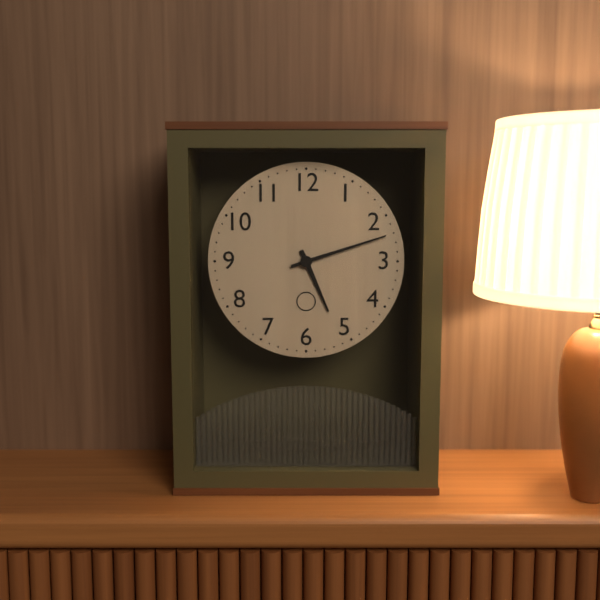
5:12
